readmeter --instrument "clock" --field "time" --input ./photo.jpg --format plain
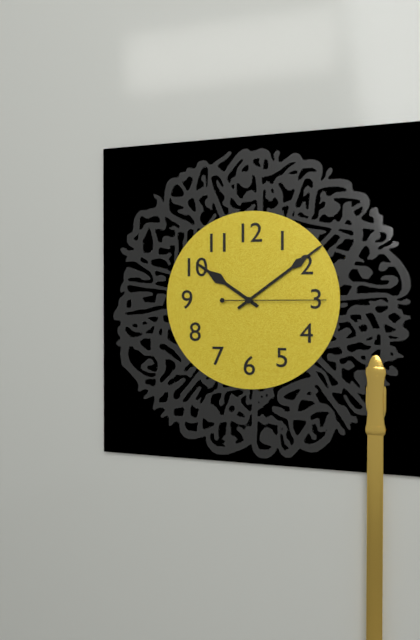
10:09:15
